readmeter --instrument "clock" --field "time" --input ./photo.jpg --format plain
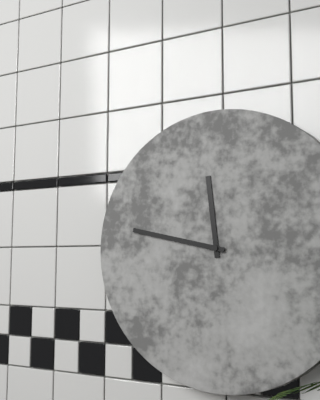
11:47
